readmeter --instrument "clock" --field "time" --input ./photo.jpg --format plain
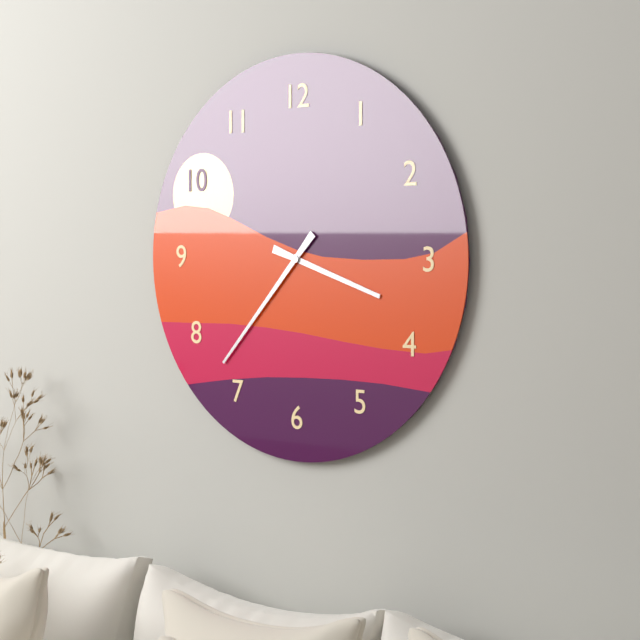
3:37
